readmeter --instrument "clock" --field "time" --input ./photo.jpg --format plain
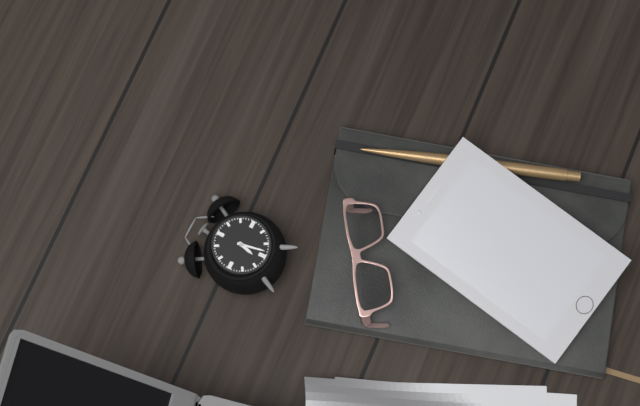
6:28
